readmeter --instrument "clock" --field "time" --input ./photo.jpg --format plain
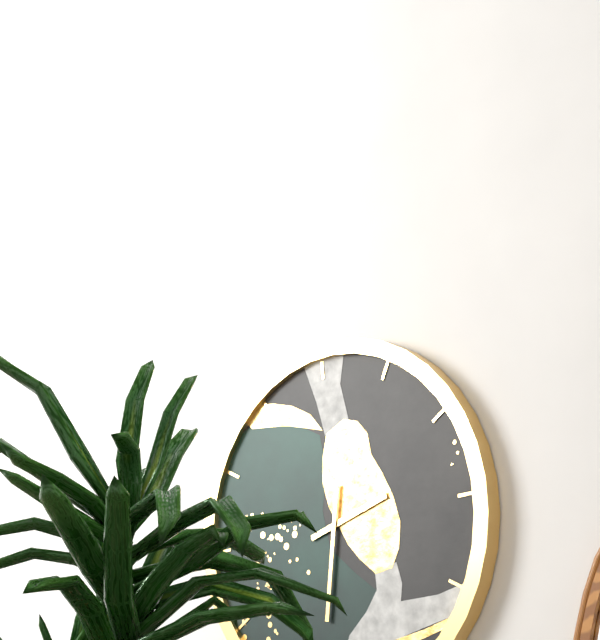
2:32
